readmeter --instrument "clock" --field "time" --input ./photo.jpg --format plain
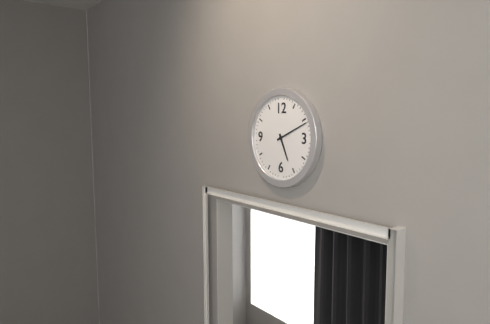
5:11
